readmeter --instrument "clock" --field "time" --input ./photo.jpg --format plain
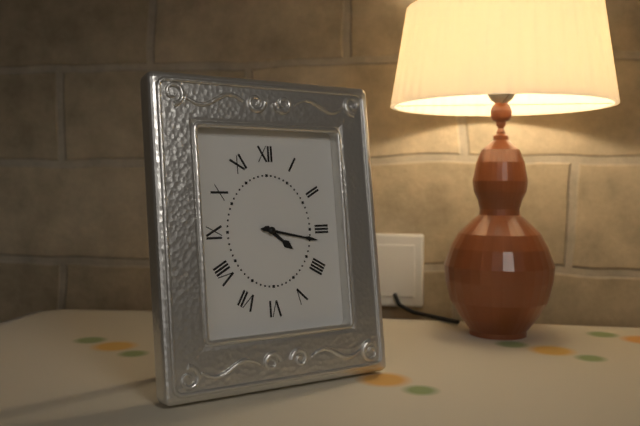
4:17
